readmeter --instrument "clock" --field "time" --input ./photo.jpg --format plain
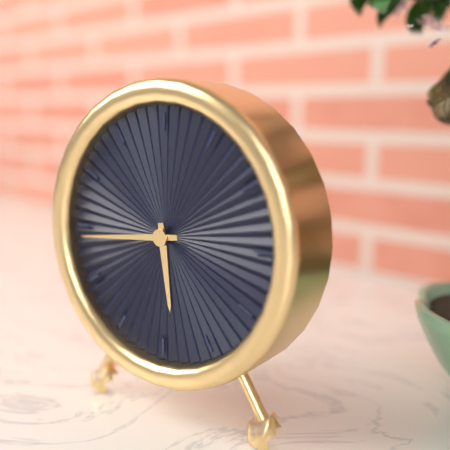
5:44
